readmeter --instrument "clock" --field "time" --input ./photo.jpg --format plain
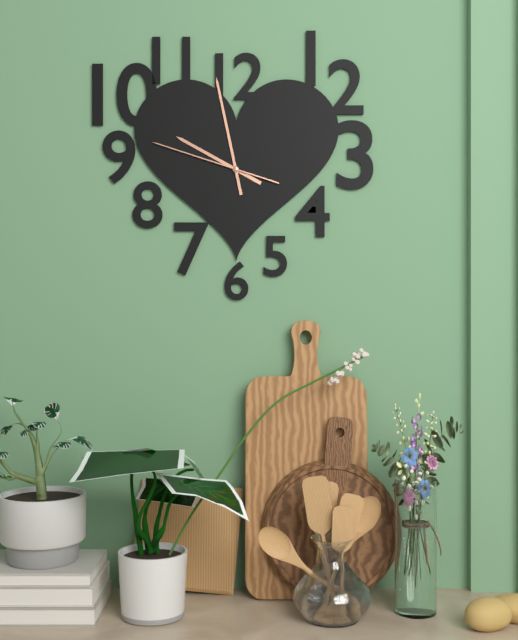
9:58:48
